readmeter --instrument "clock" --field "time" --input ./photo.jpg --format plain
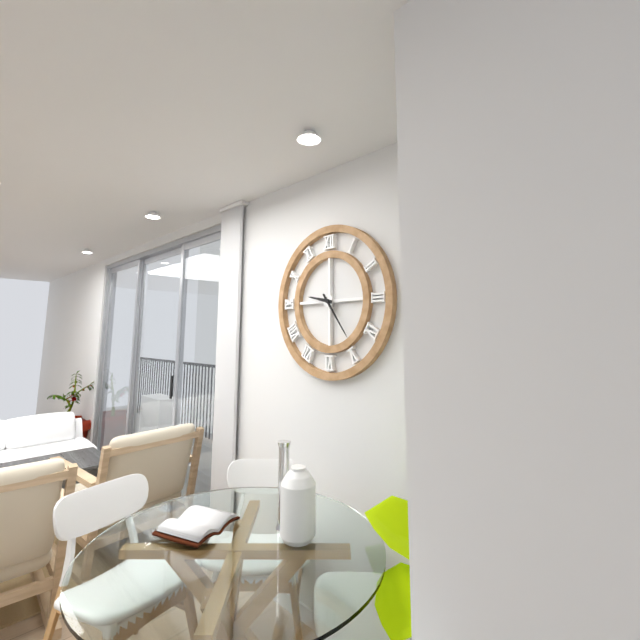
9:24
